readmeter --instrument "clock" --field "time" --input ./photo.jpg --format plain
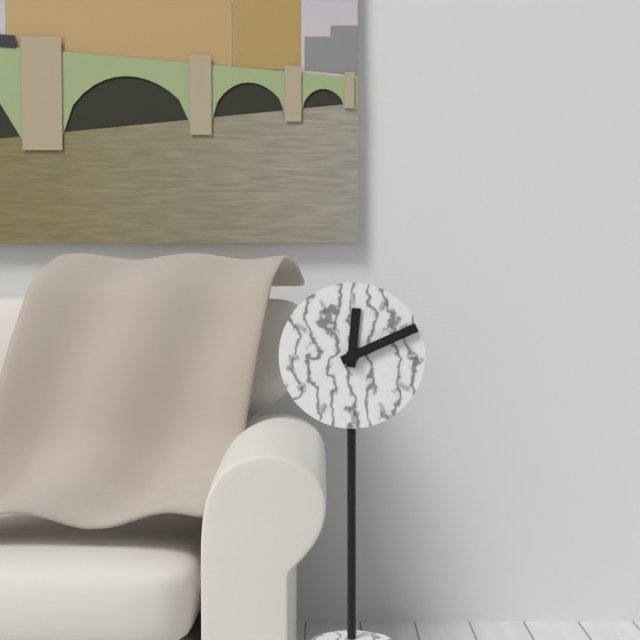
12:11
